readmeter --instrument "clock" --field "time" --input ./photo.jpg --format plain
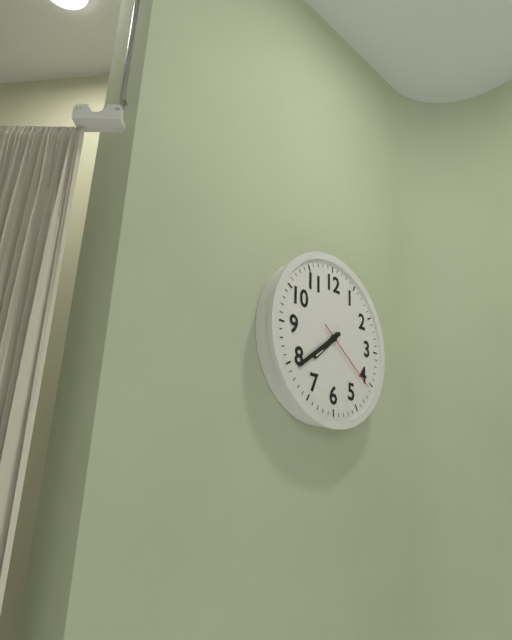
7:39:21
